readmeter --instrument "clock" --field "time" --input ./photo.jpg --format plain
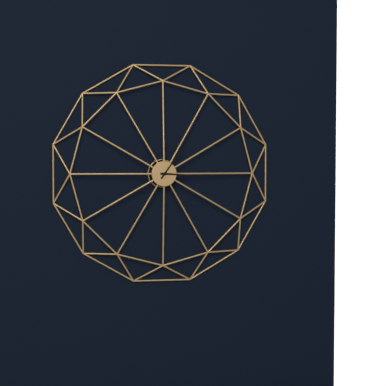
3:06
